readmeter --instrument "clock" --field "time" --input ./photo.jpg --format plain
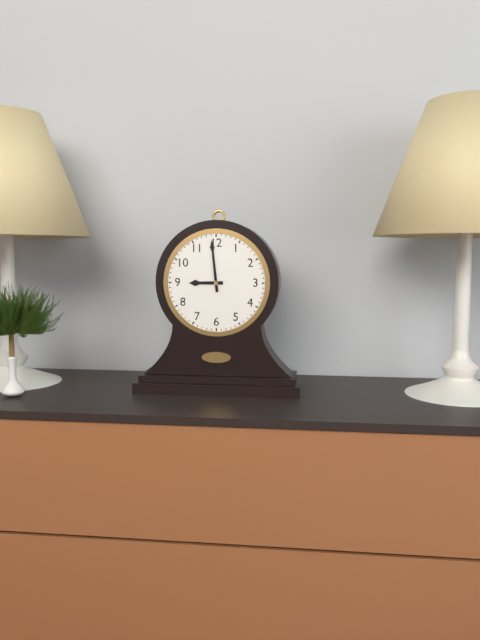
8:59
